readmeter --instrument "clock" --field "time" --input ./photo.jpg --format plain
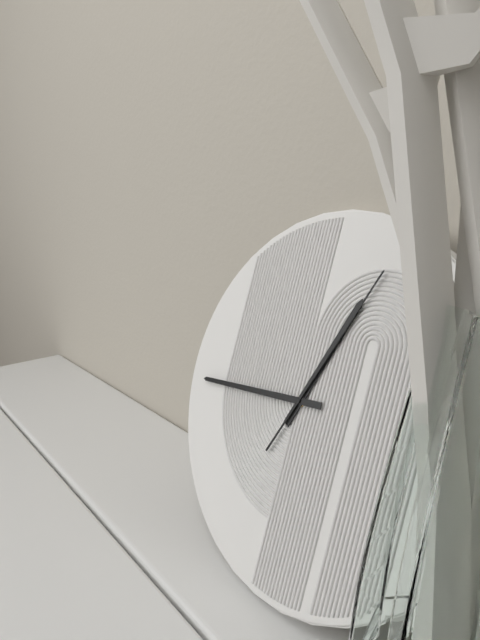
12:44:04
